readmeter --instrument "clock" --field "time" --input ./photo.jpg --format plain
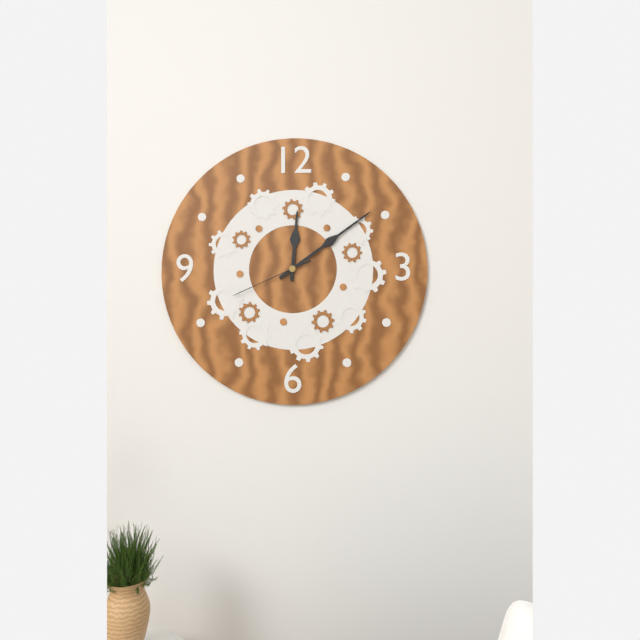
12:09:41
